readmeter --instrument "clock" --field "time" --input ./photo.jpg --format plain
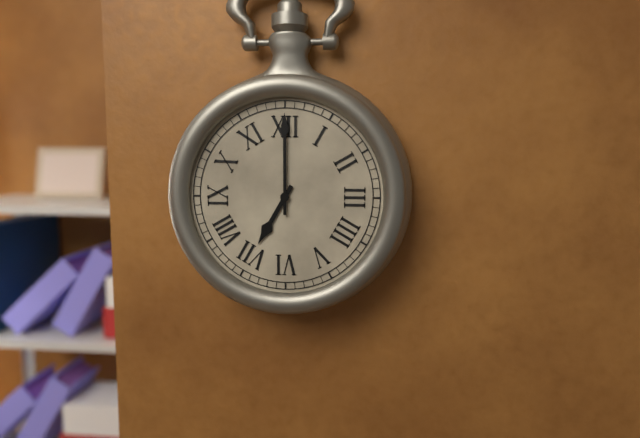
7:00
